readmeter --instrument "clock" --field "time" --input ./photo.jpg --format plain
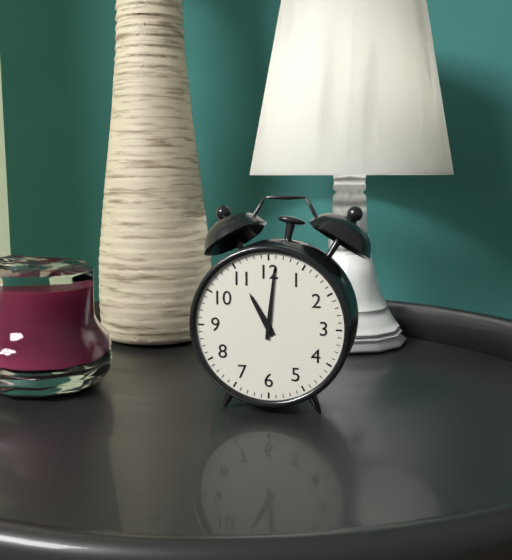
11:01
